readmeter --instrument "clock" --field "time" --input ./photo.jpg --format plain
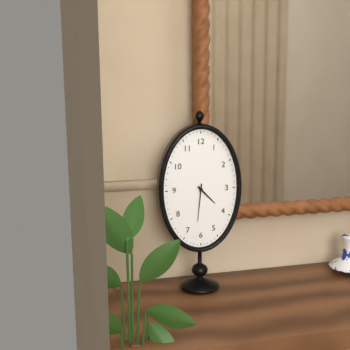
4:31
